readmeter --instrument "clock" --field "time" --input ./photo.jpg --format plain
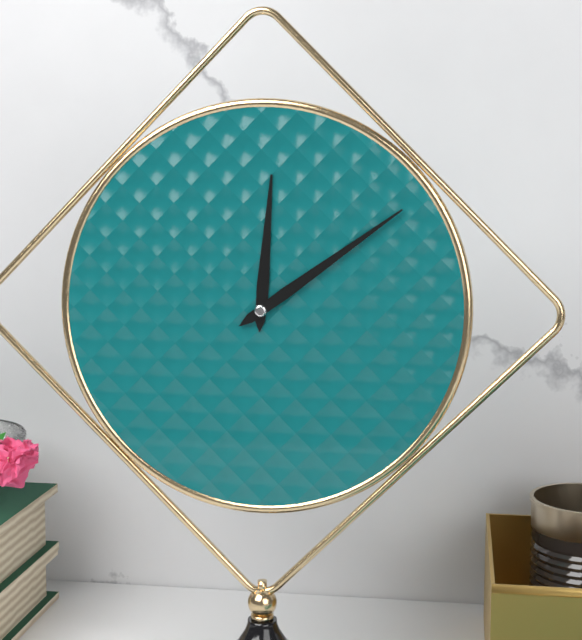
12:09
